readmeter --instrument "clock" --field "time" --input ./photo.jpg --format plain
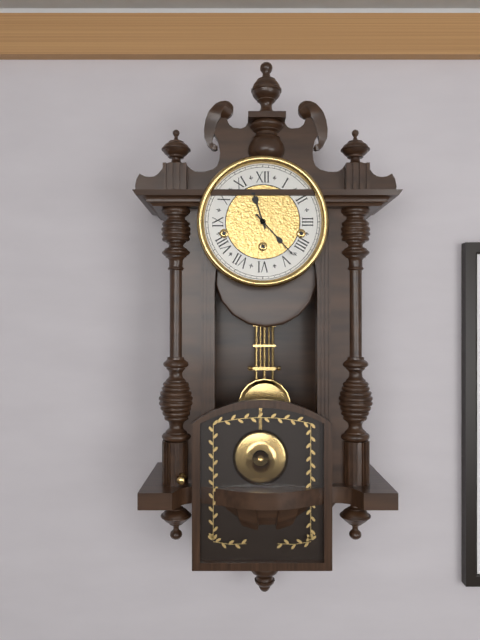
11:23
